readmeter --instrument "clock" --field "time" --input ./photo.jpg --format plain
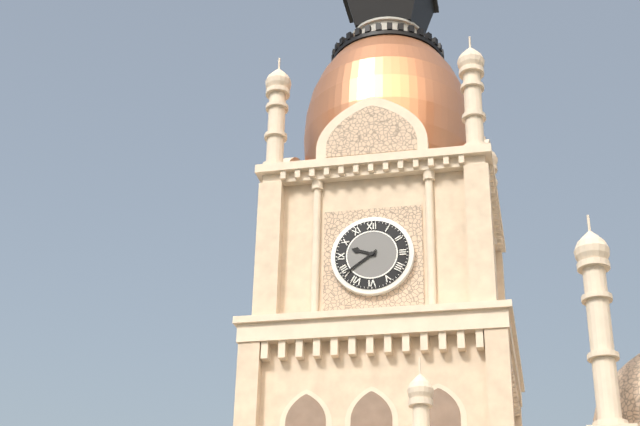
9:39
